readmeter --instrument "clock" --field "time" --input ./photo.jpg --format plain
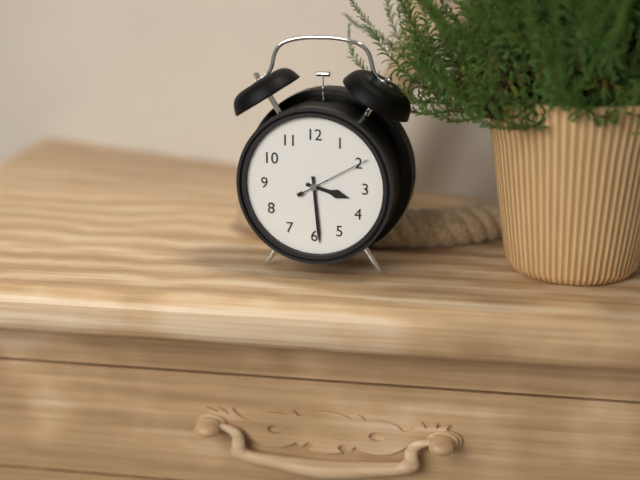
3:29:10
